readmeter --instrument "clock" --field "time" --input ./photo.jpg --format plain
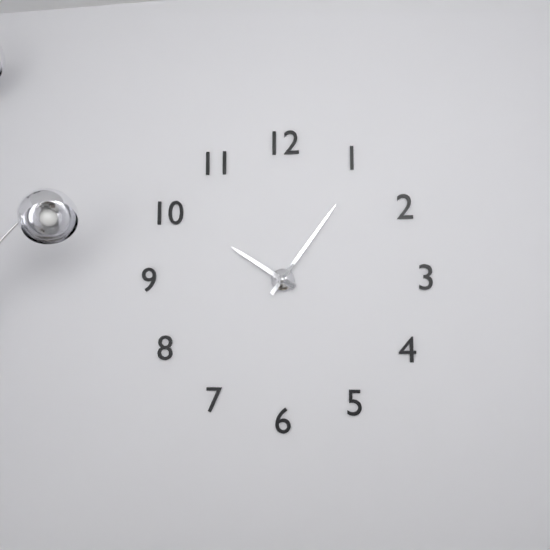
10:06
